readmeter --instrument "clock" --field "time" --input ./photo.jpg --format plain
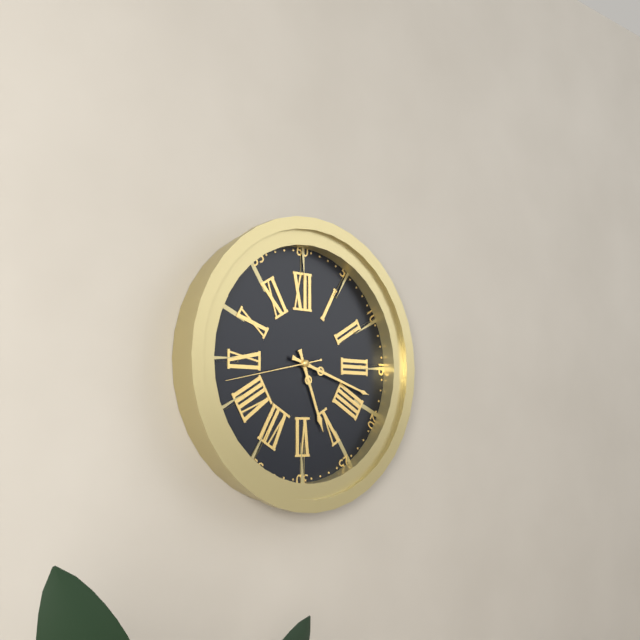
5:18:43
